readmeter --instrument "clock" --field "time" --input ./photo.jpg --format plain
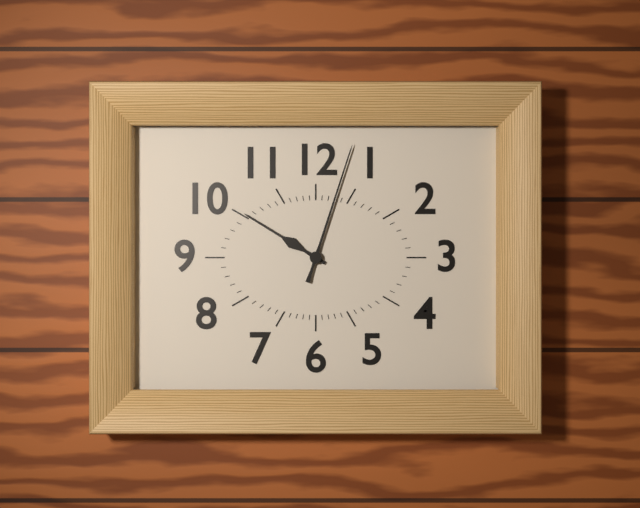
10:03
